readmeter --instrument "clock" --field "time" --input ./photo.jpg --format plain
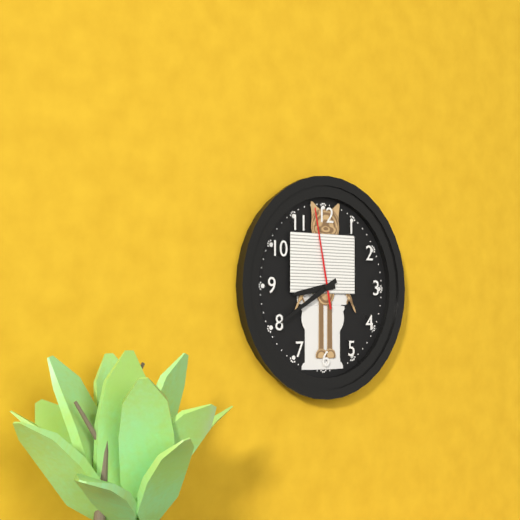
8:40:58
